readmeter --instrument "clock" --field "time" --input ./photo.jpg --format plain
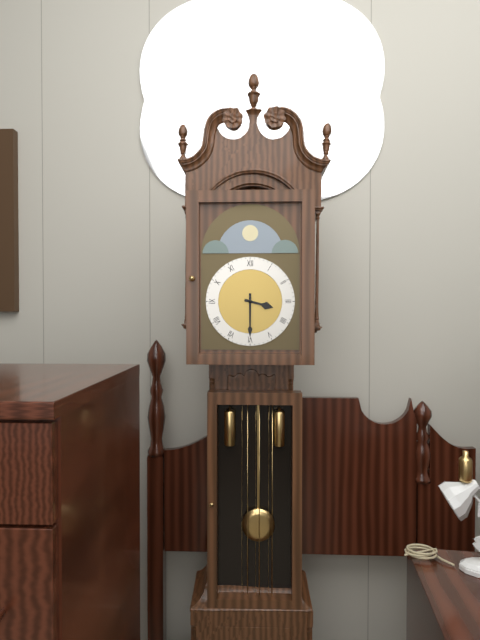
3:30
